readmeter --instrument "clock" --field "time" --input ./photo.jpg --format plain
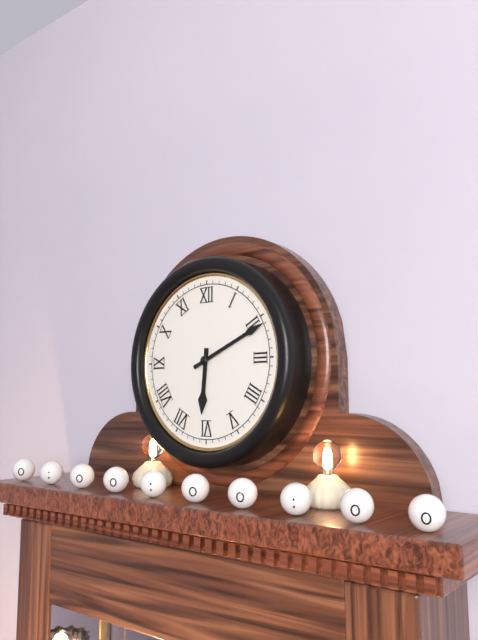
6:11
